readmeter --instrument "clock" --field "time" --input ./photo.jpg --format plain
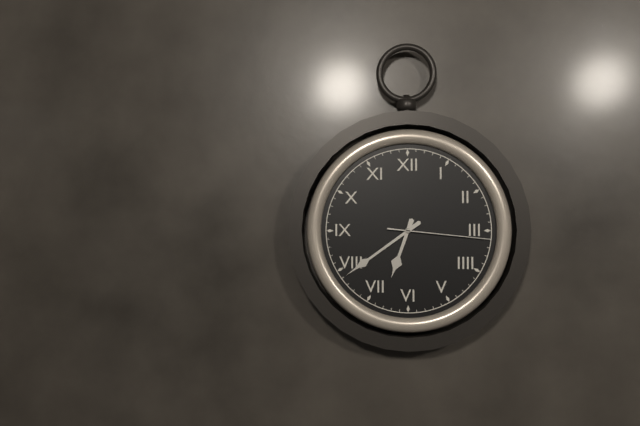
6:39:16
